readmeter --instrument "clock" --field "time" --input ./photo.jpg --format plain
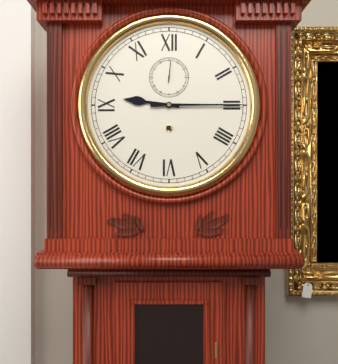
9:15
